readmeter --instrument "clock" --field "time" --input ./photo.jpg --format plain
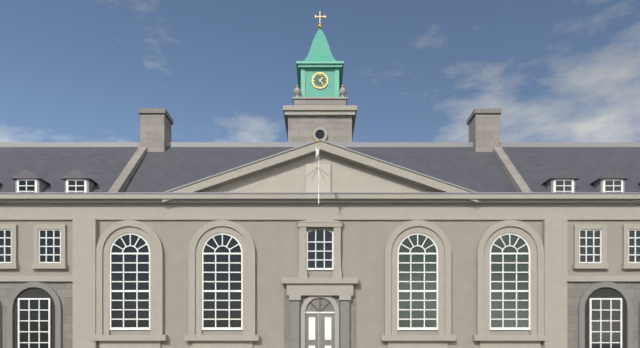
1:24
